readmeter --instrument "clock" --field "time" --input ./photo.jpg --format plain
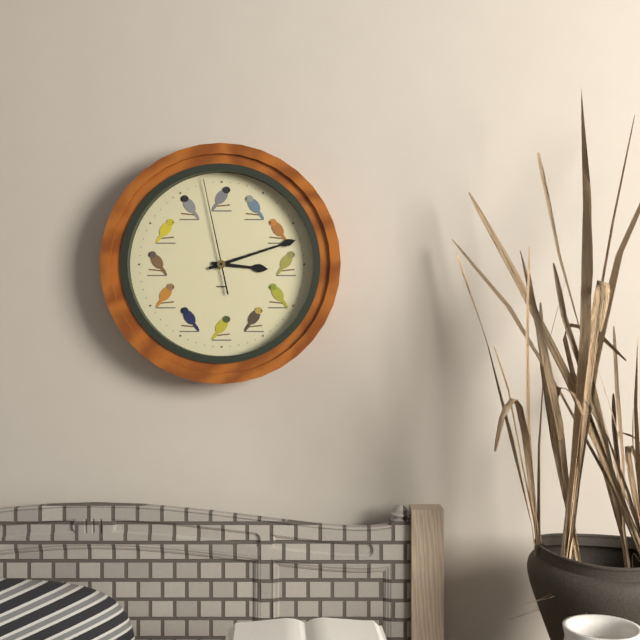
3:12:58
